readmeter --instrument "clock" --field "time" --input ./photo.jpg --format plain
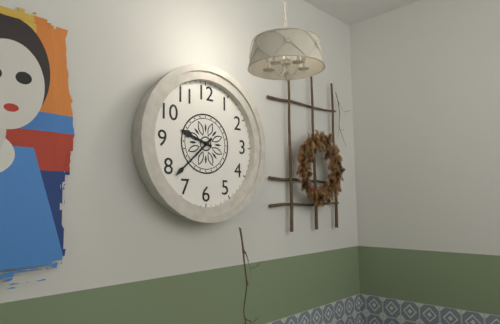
9:38
